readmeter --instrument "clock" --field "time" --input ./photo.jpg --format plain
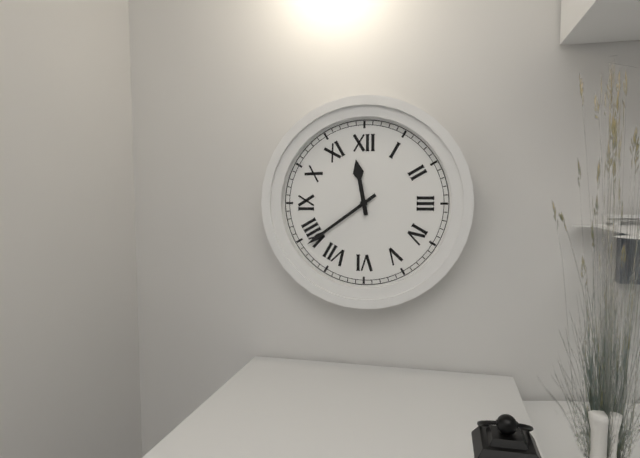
11:39
